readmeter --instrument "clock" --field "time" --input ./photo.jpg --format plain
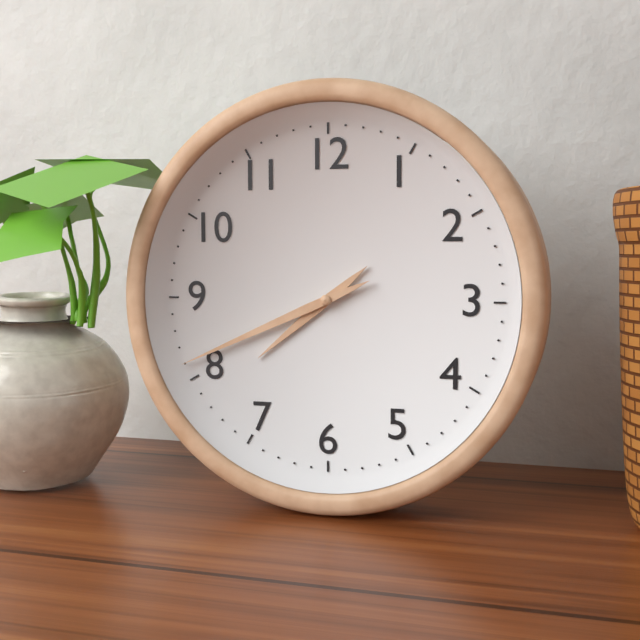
7:41
